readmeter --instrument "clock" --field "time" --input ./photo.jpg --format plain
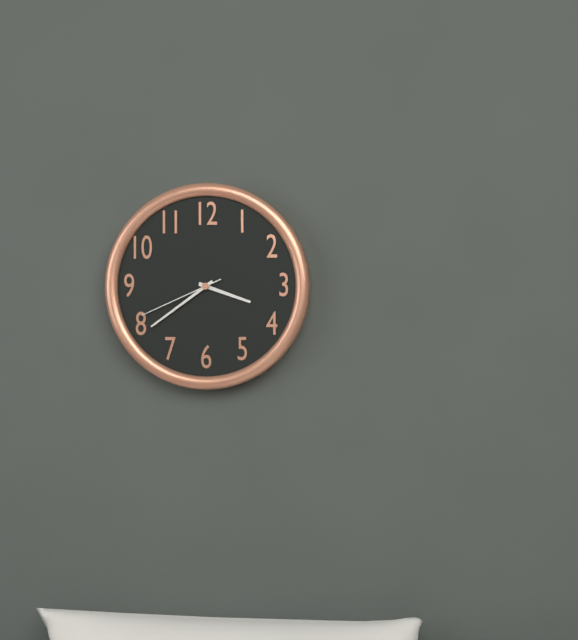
3:39:41
